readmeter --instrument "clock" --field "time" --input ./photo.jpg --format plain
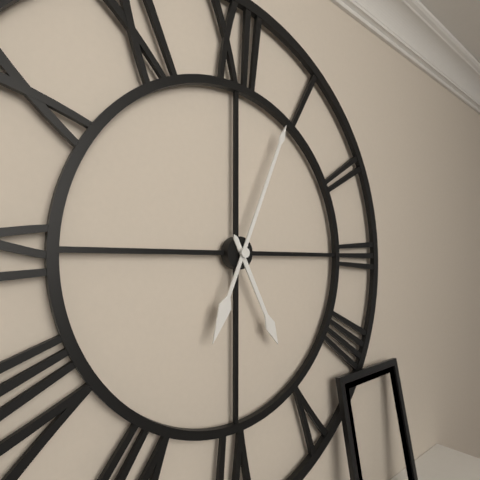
5:04
